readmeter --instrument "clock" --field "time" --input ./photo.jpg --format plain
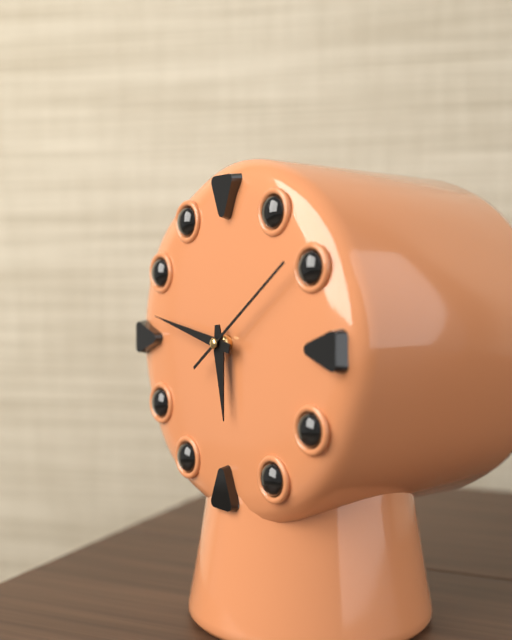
5:47:09
